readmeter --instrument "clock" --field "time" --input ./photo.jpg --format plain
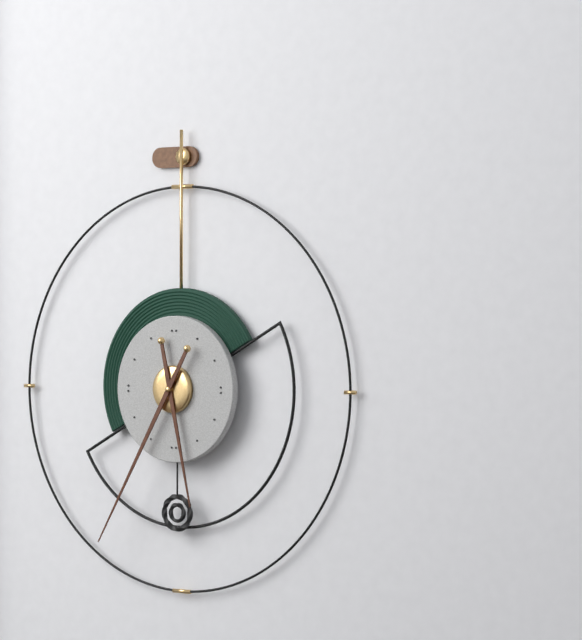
5:35
